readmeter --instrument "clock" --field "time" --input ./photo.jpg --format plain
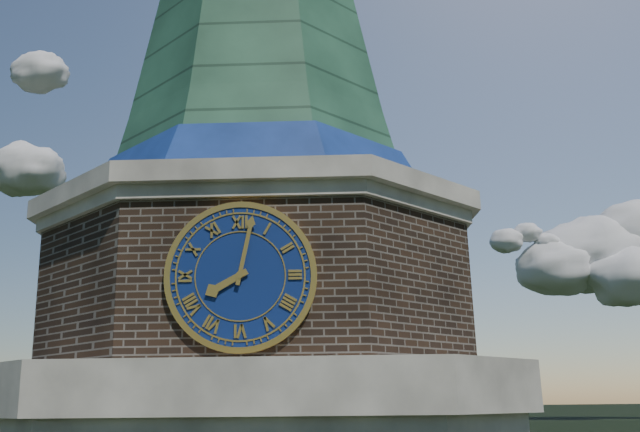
8:02
